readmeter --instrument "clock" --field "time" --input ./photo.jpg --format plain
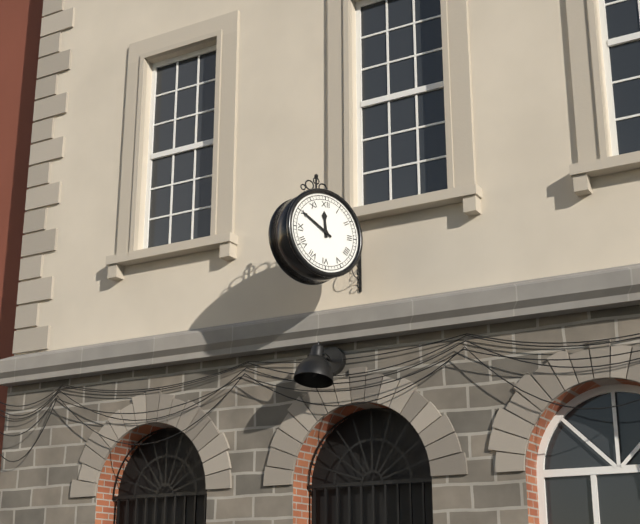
11:50
